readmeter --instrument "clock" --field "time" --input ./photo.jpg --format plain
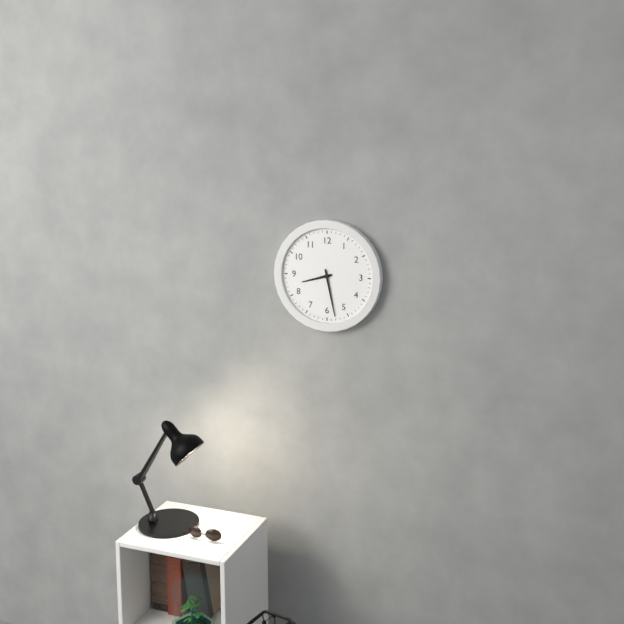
8:28
